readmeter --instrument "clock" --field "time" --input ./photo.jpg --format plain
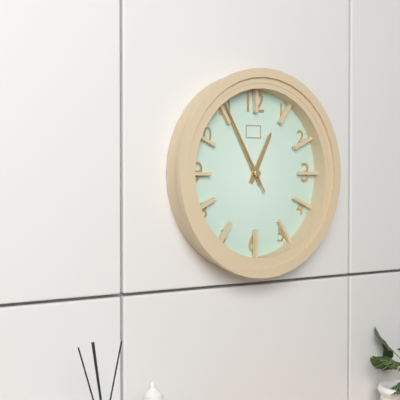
12:55:55
